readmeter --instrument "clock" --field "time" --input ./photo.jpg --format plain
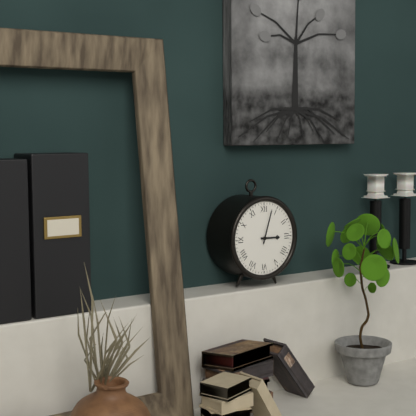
3:03
